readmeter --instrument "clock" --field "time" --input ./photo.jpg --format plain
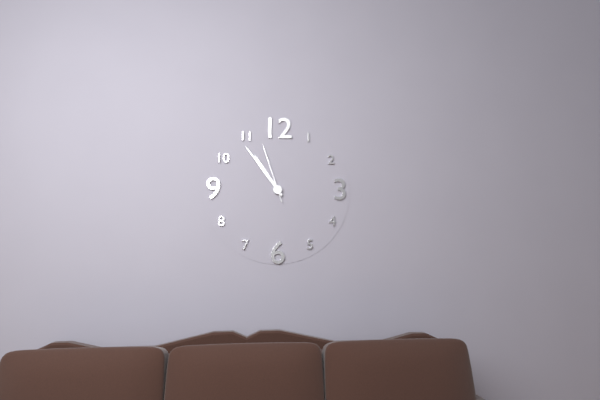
10:54:57
